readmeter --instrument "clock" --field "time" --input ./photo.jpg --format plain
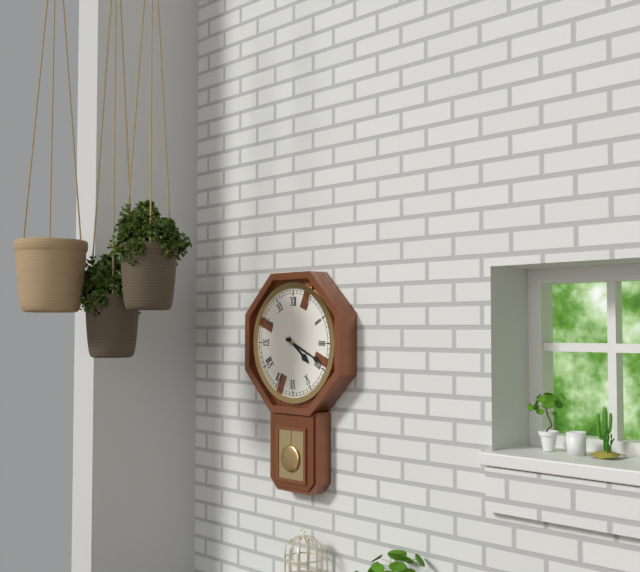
4:19
